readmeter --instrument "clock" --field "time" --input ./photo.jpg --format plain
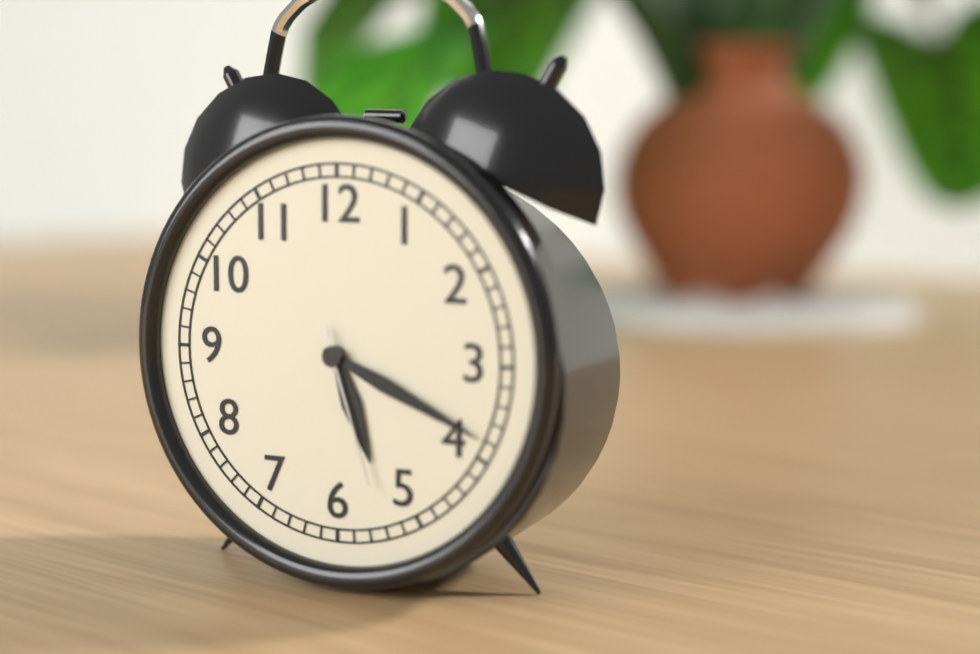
5:19:27
